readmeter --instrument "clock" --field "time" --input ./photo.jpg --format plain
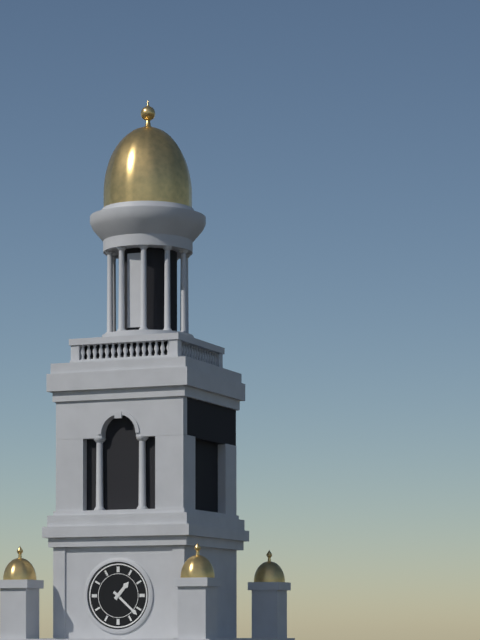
1:22
